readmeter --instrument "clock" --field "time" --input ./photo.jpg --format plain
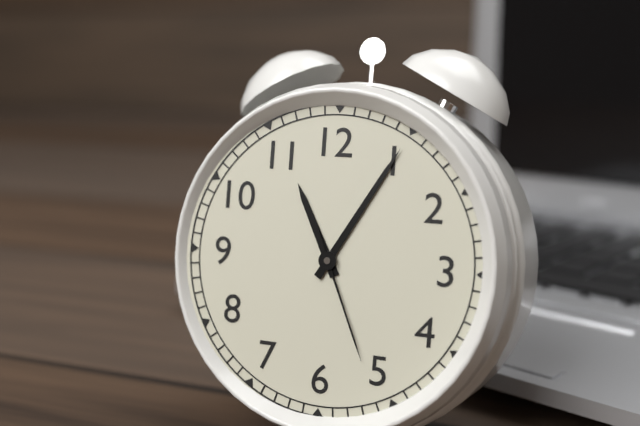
11:05:26
